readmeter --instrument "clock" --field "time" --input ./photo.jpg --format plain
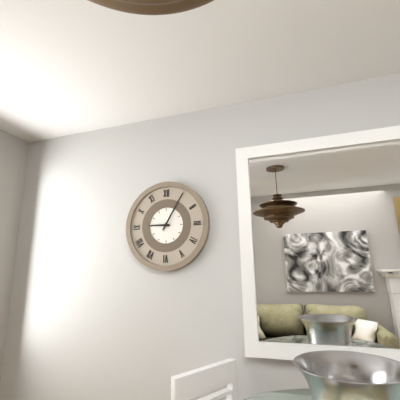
9:05
